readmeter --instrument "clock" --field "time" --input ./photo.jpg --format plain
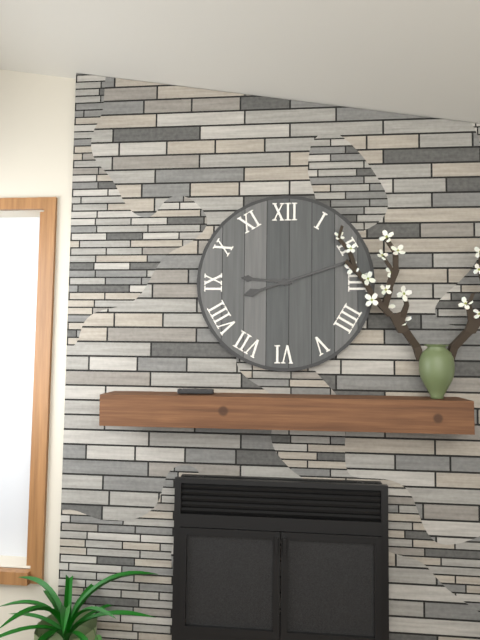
9:12
